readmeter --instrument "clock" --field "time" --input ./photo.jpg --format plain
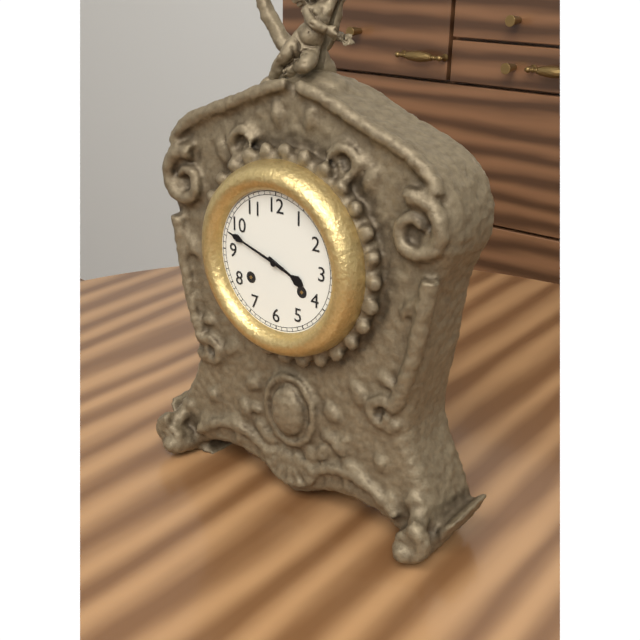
3:48
